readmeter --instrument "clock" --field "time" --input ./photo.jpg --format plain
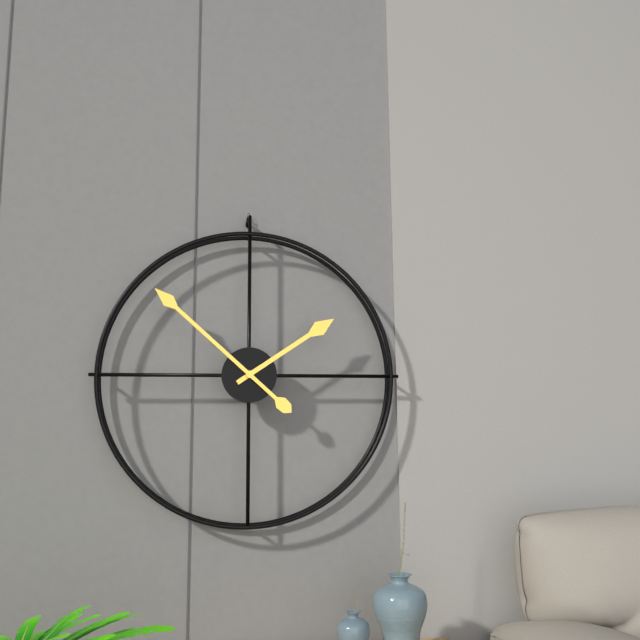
1:52
